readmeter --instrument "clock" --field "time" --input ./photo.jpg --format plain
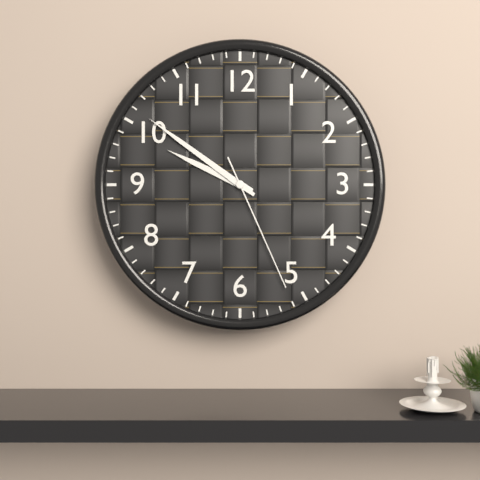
9:51:26
